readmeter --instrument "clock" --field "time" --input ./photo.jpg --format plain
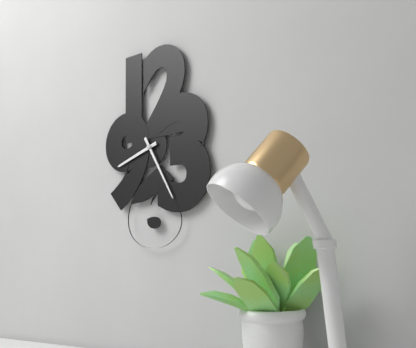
8:25
